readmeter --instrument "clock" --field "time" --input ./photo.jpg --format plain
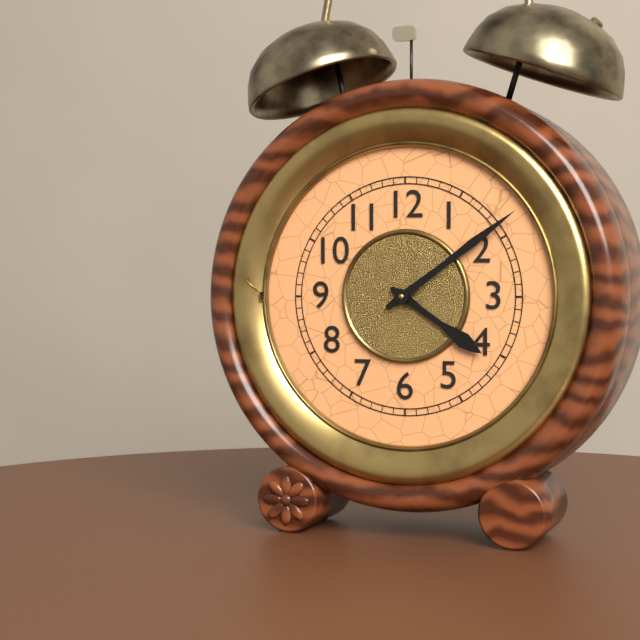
4:09
